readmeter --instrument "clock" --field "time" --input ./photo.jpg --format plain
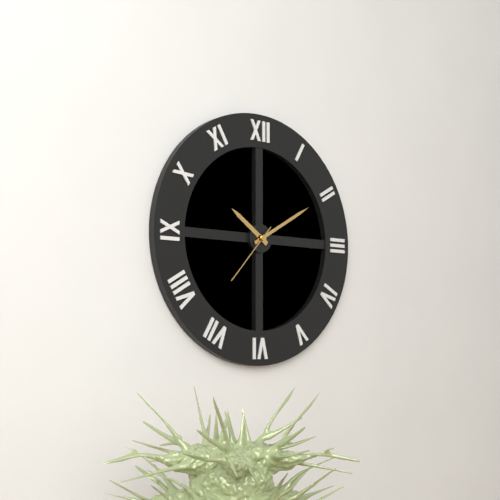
10:10:37
